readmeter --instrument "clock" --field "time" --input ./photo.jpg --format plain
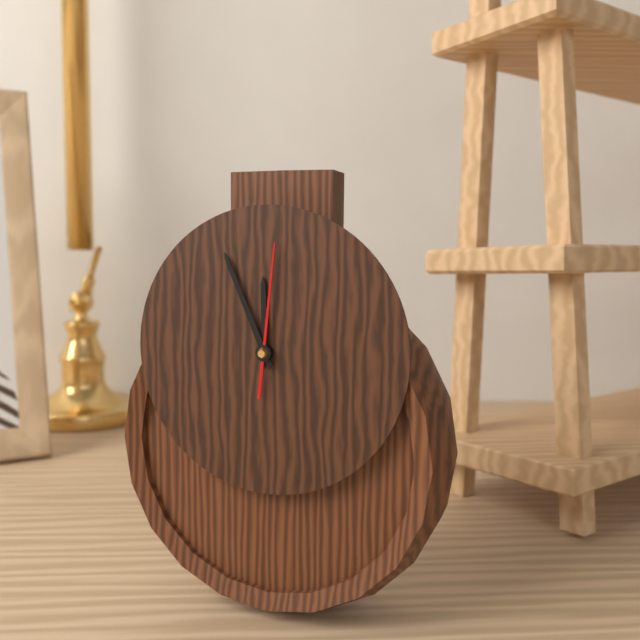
11:56:01
